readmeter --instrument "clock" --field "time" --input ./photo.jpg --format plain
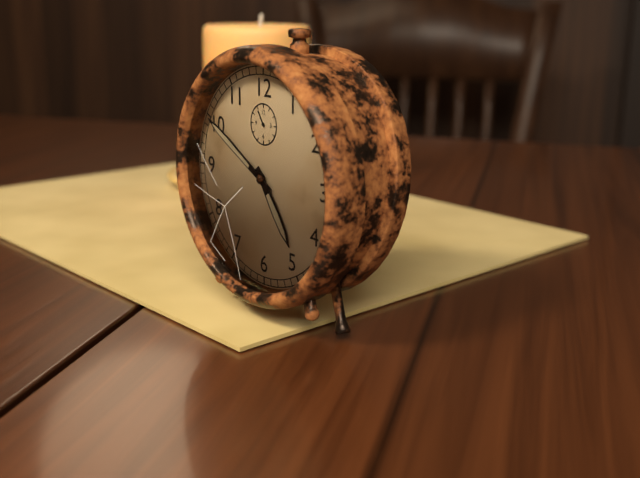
4:50
